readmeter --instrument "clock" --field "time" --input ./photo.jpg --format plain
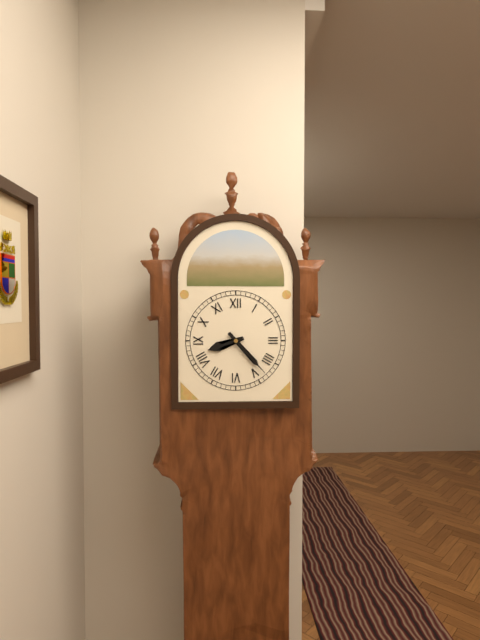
8:23
